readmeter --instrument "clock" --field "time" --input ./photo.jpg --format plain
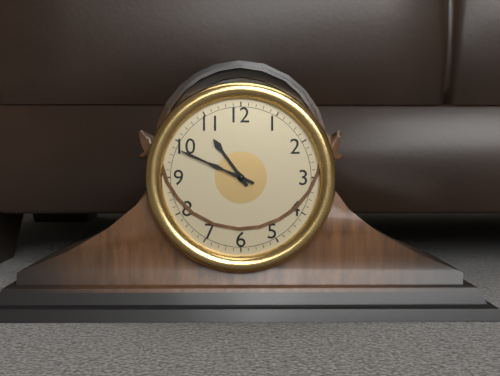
10:49
